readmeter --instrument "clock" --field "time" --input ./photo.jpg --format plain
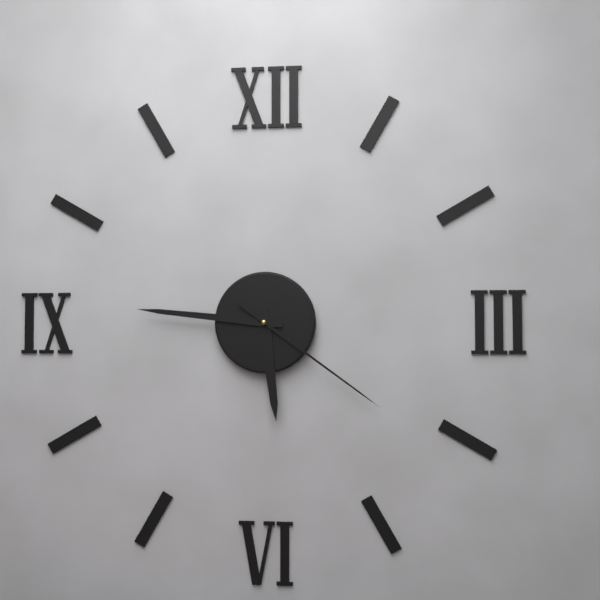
5:46:21
